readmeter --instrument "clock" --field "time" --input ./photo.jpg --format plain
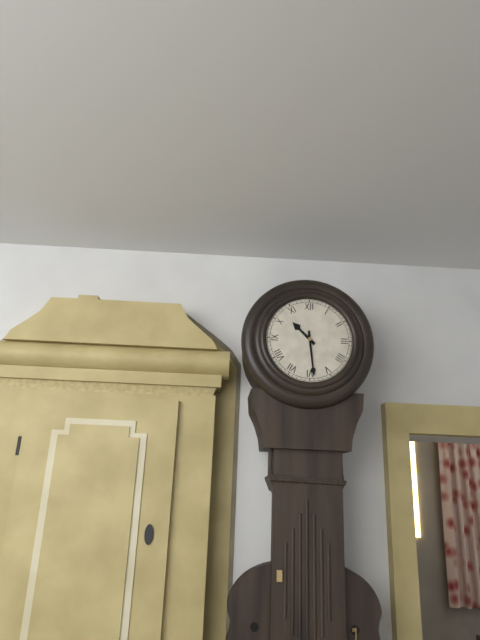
10:29
